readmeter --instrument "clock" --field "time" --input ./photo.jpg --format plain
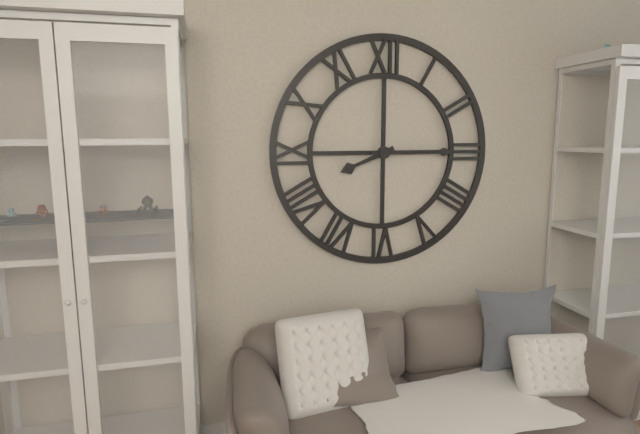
8:15
